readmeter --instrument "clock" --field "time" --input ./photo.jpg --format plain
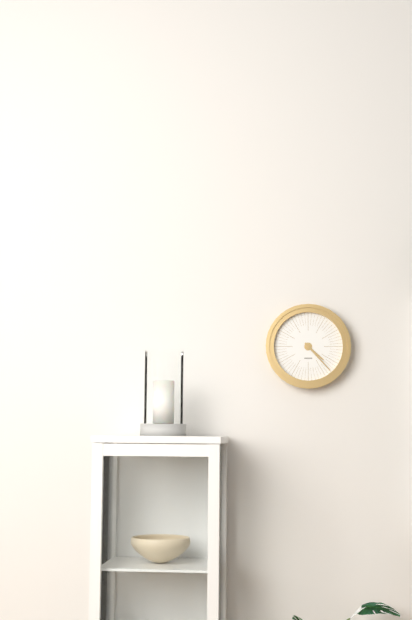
4:23
